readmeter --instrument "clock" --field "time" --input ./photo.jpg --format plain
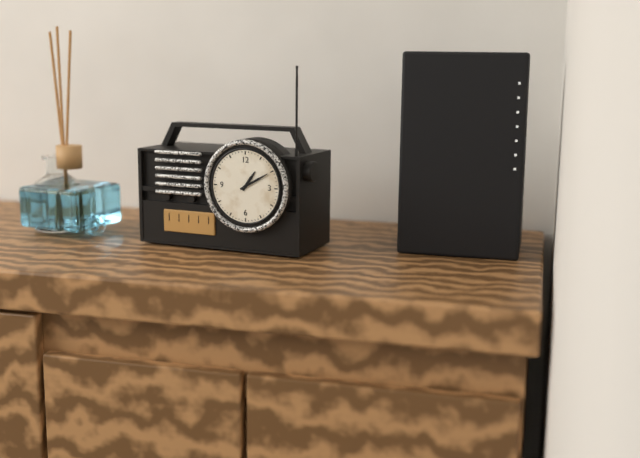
1:10
